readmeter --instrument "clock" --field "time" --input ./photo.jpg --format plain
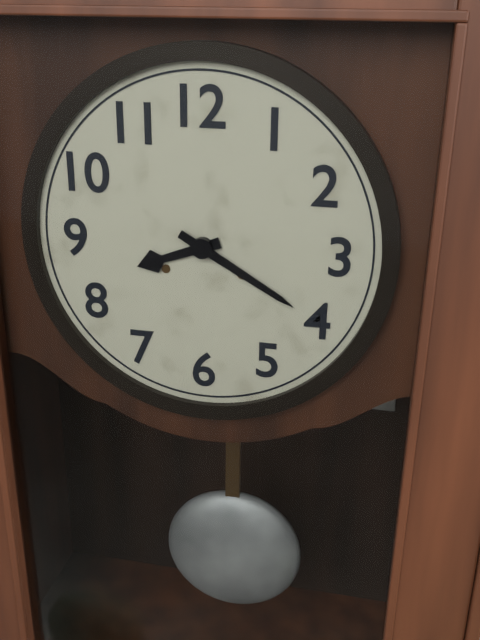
8:20
